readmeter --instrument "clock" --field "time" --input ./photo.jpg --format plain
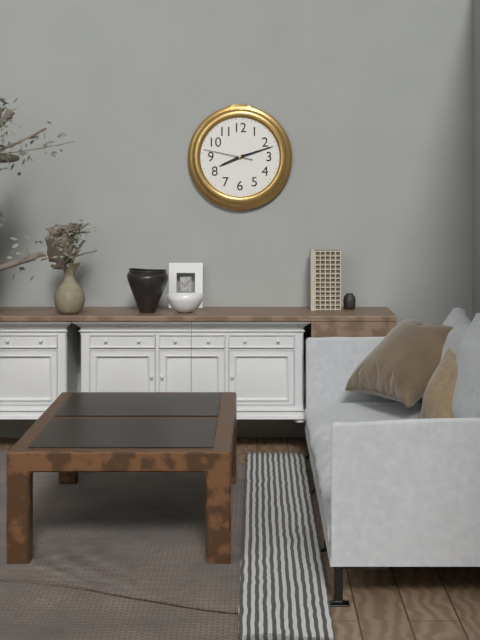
8:12
